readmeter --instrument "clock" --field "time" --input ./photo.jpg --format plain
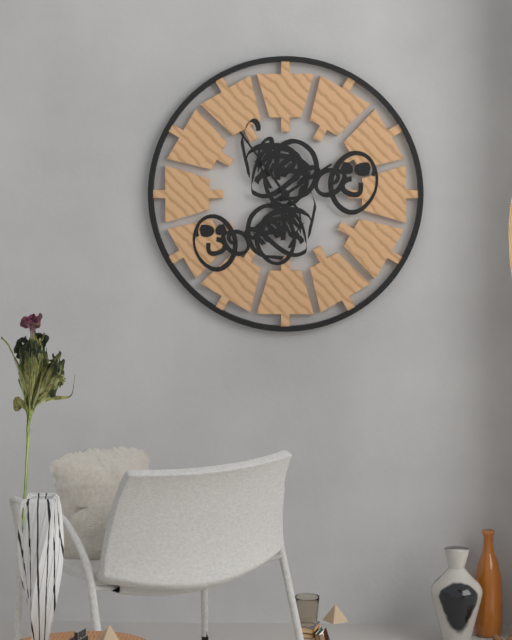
1:54
